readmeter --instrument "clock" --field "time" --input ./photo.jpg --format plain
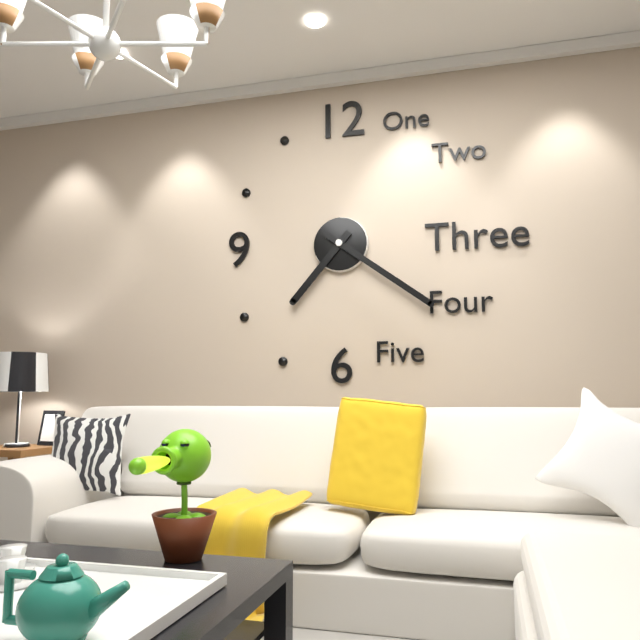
7:21
